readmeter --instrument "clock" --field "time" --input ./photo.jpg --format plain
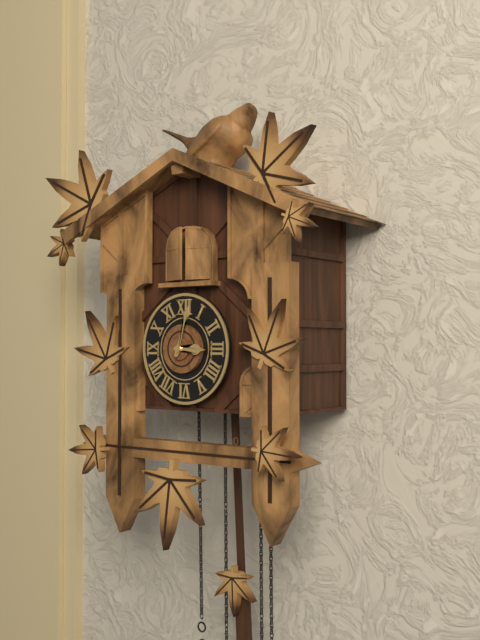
3:03
